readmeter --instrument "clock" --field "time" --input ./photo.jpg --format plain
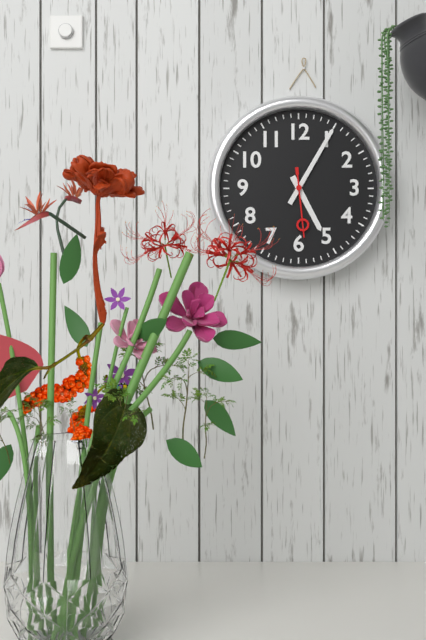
5:05:29
